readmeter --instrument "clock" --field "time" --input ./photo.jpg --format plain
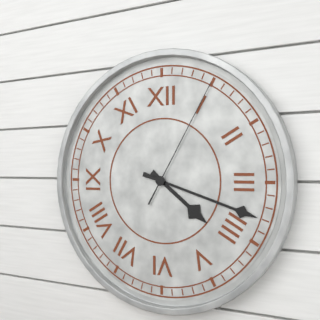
4:18:05
